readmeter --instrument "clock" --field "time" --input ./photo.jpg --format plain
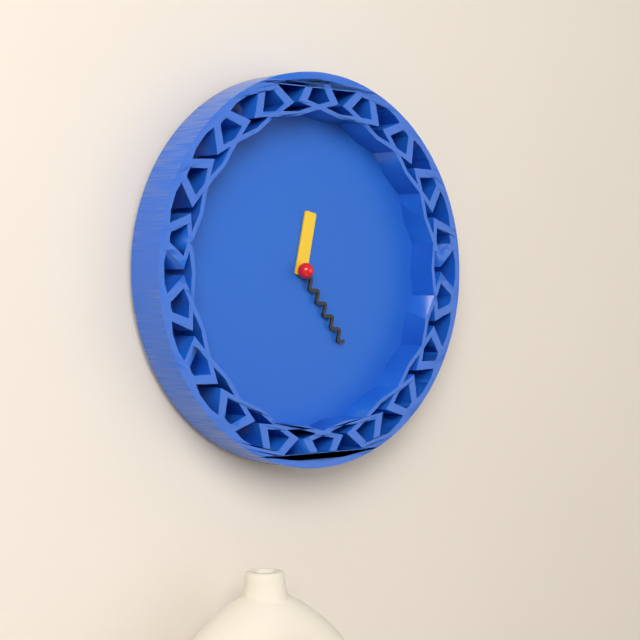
12:24
